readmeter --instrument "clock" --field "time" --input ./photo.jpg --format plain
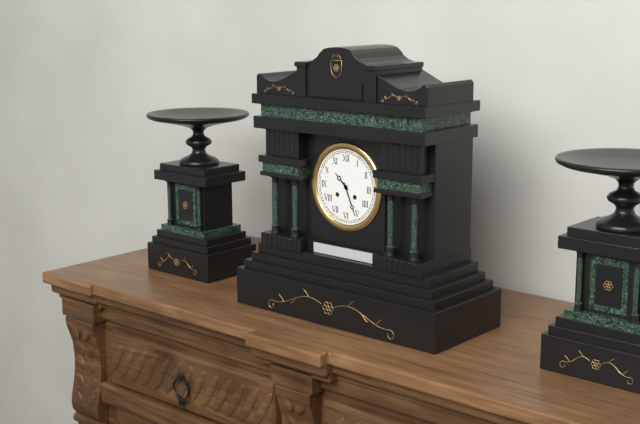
10:26
